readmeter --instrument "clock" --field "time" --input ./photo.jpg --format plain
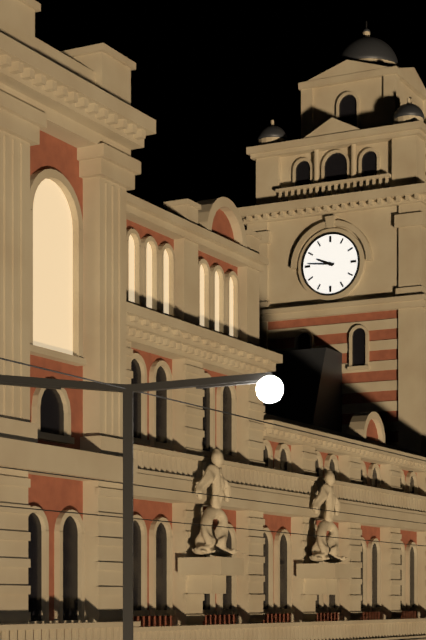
9:46
